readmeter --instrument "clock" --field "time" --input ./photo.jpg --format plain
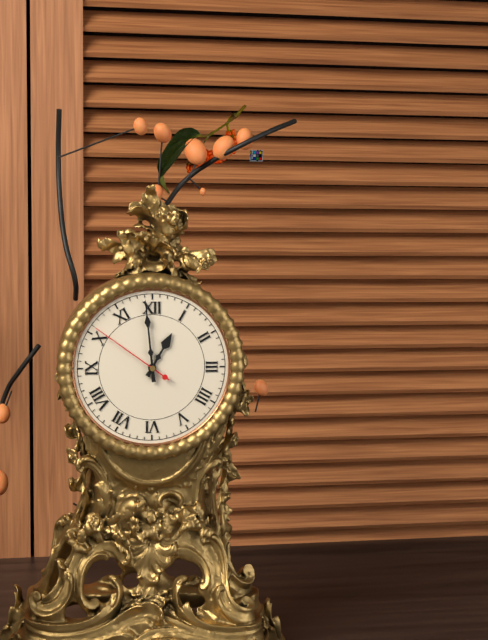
12:59:51
